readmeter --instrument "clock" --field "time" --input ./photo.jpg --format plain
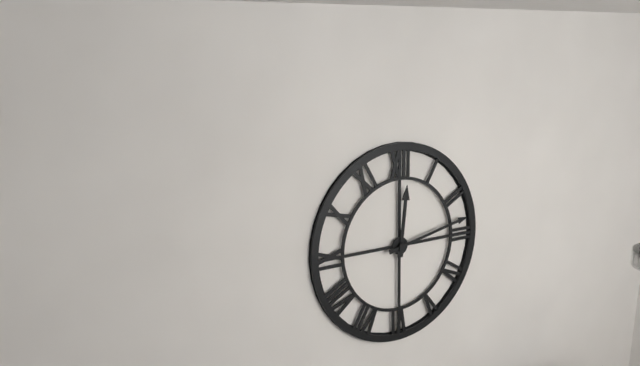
12:13
